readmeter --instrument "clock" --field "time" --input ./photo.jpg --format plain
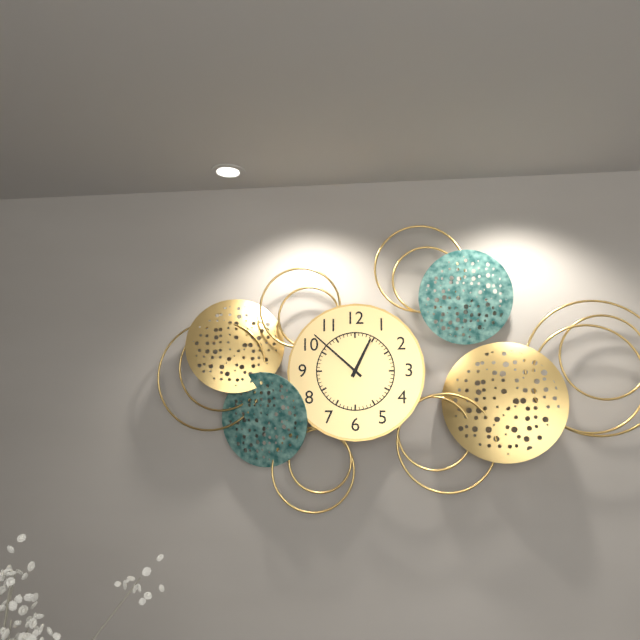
12:52
